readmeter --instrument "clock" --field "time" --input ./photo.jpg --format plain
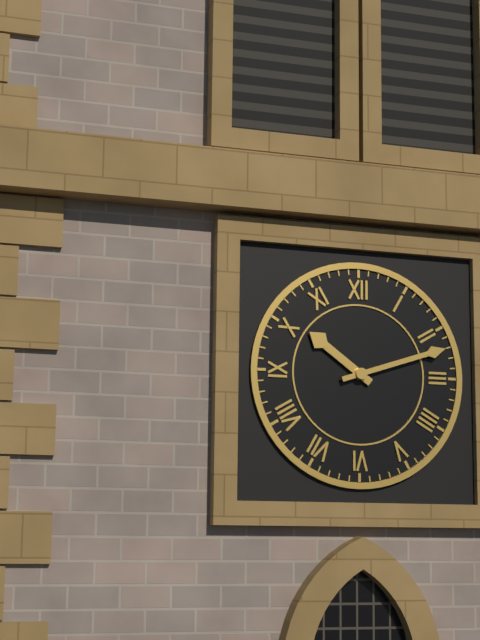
10:12
